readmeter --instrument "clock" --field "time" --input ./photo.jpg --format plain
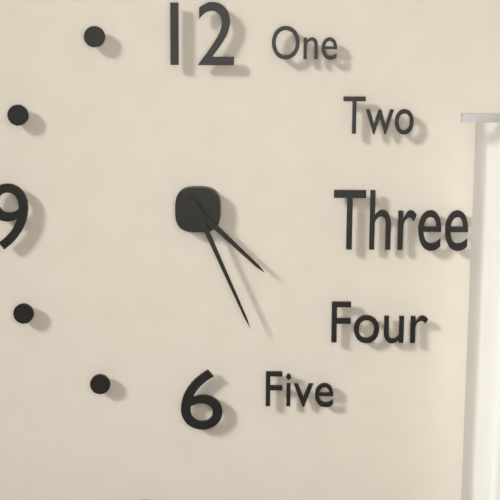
4:26
